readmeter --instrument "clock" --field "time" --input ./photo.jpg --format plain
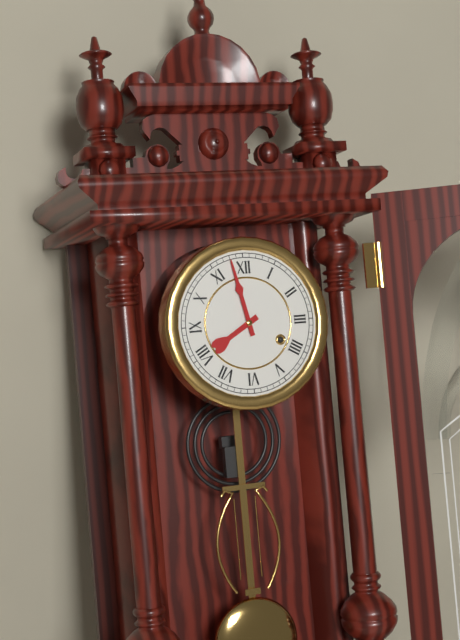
7:58
